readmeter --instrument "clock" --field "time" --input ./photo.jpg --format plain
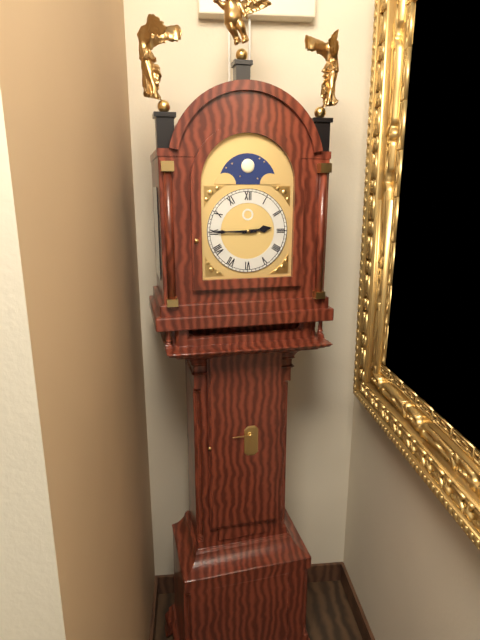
2:45
